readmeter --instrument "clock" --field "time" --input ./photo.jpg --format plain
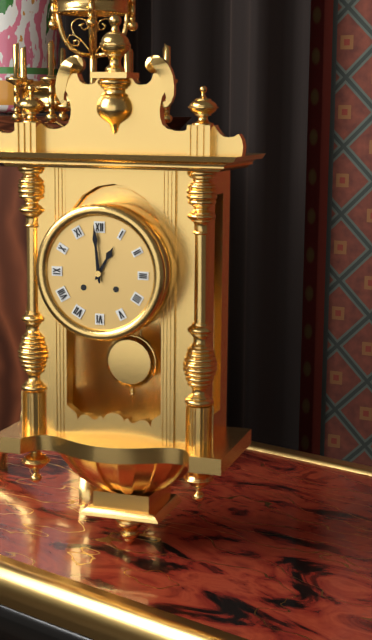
12:59
